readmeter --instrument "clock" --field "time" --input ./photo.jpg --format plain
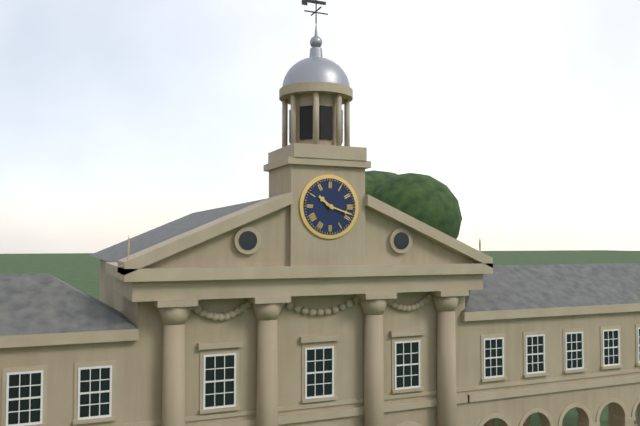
10:18
